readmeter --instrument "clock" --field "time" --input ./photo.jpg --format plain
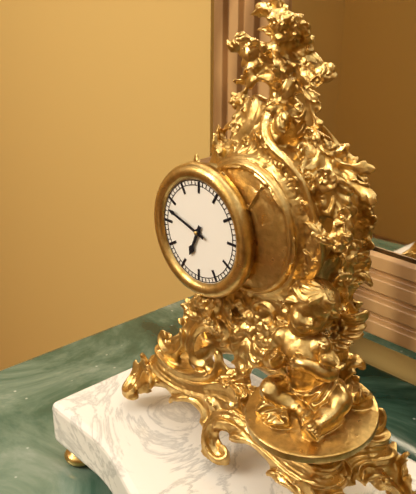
6:48
